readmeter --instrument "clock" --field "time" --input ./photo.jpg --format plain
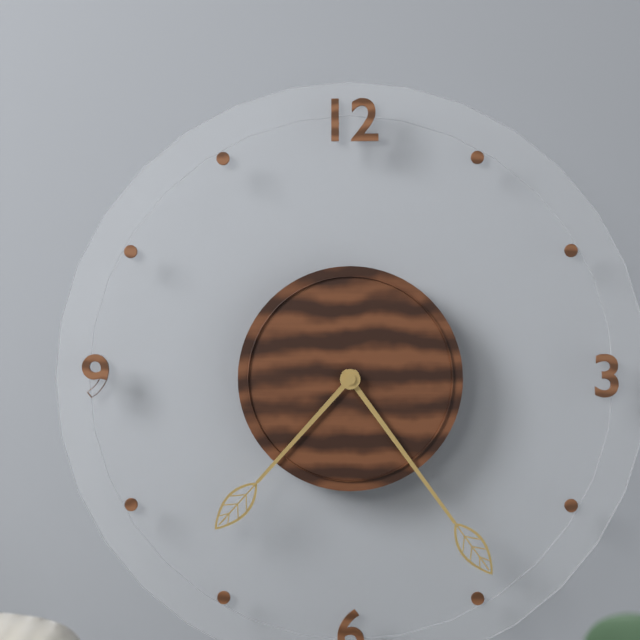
7:24
